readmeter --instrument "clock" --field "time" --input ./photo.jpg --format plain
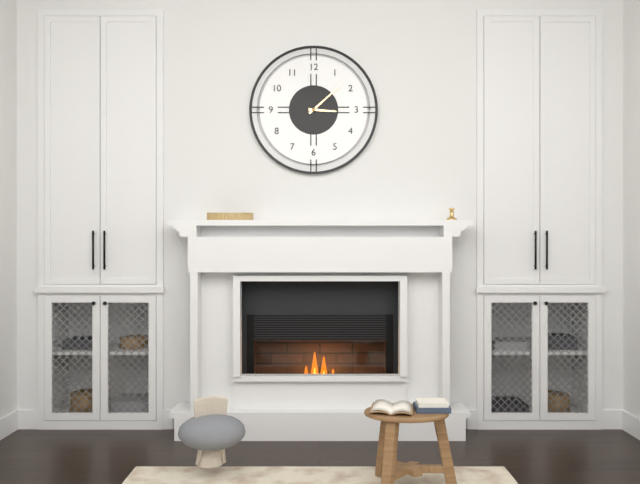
3:08
